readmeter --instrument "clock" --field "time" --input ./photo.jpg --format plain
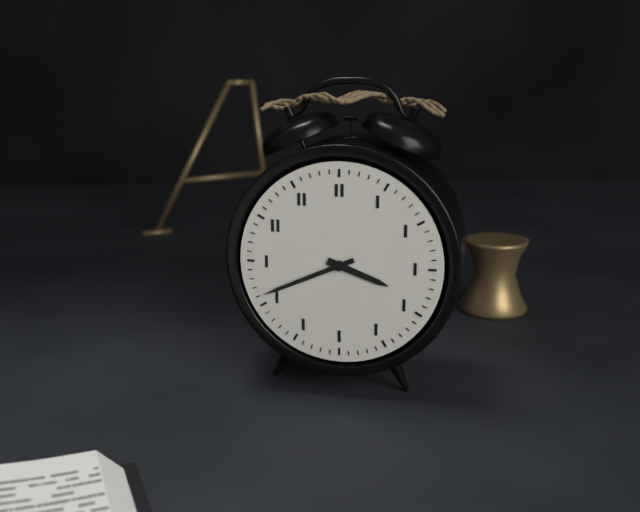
3:41
